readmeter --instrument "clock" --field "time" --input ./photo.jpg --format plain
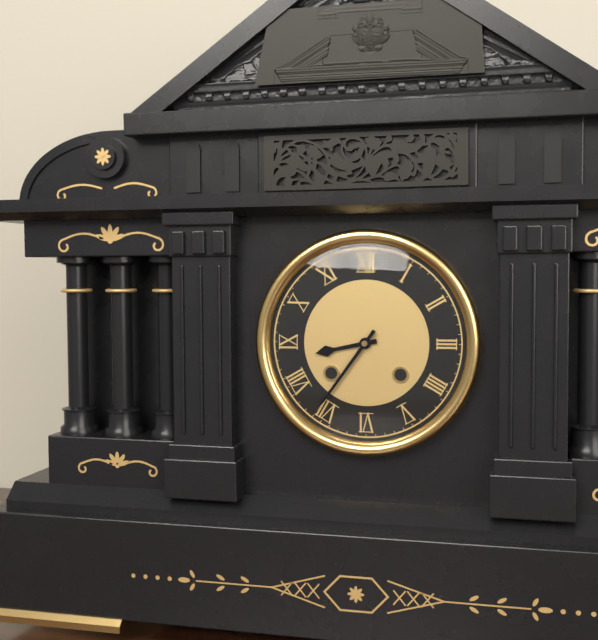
8:36
